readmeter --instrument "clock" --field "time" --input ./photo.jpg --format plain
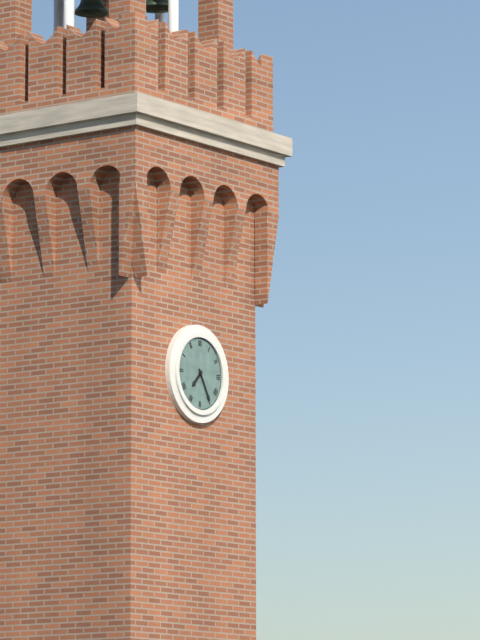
7:25
